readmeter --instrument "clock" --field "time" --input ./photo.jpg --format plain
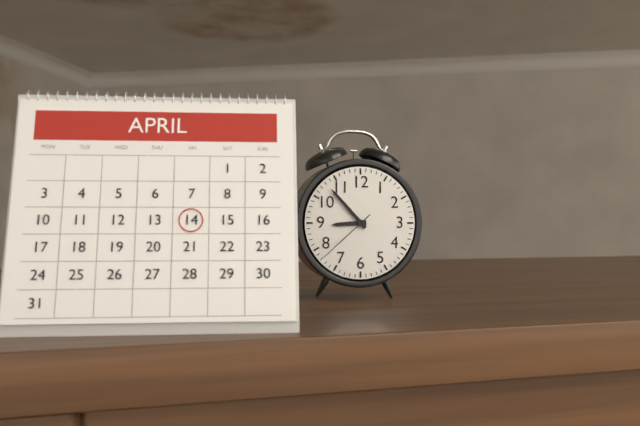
8:53:38
